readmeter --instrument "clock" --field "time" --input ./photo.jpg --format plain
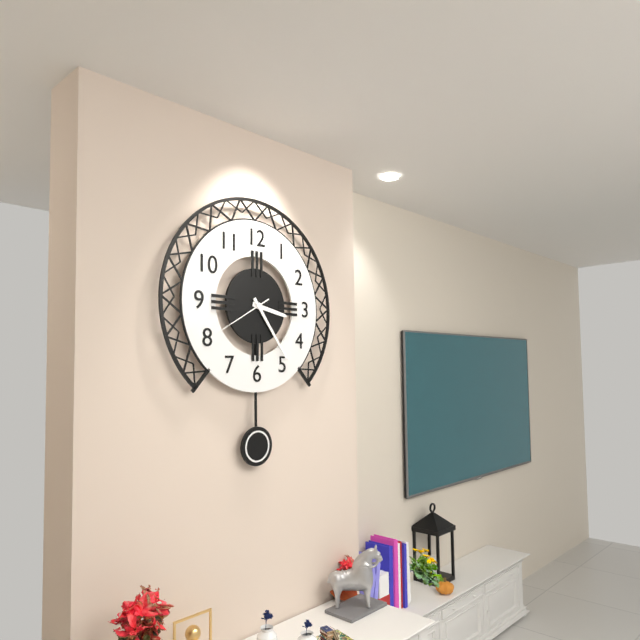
3:24:40
